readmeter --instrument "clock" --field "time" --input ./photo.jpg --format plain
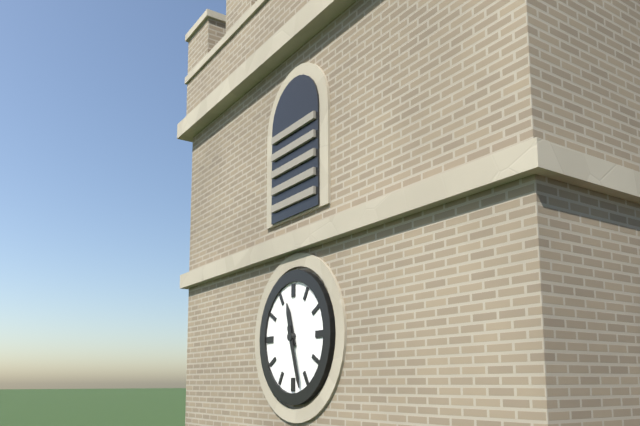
11:27
